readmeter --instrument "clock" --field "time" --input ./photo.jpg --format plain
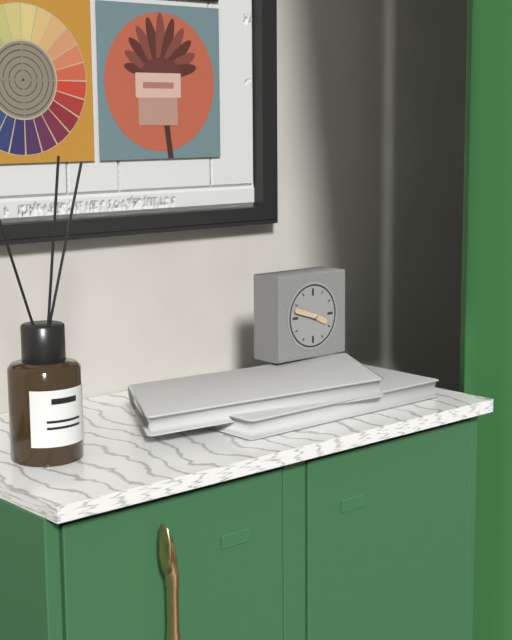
3:48
